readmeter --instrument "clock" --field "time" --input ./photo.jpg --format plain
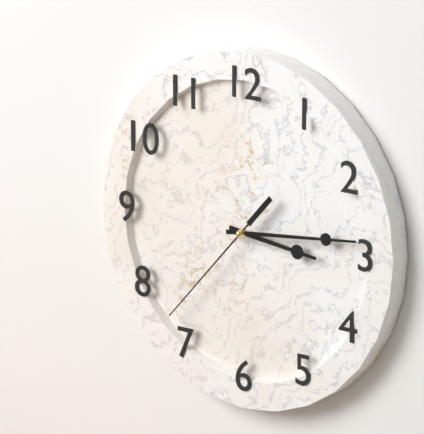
3:14:37
